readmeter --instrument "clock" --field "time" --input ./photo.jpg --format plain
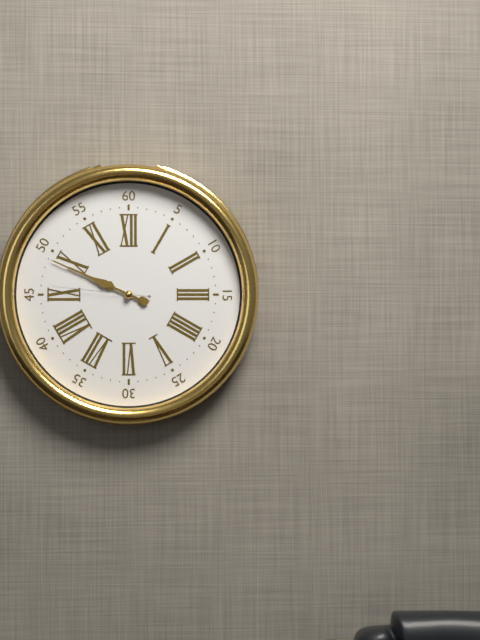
9:49:46
